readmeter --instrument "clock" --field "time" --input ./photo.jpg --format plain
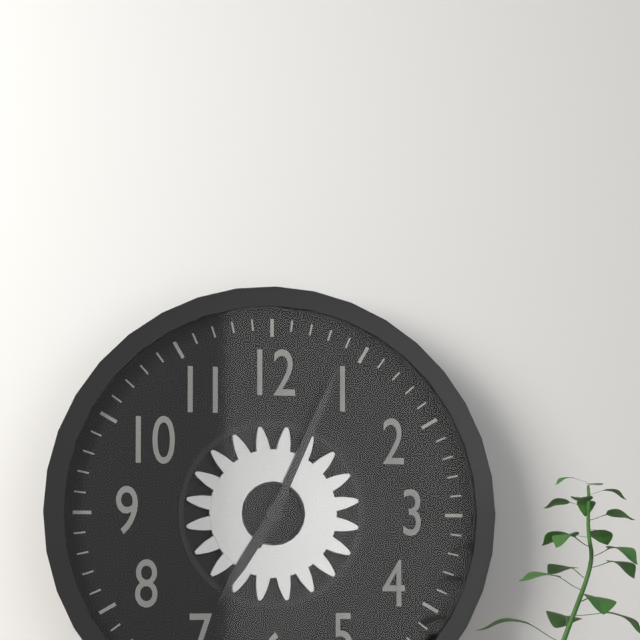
7:04
